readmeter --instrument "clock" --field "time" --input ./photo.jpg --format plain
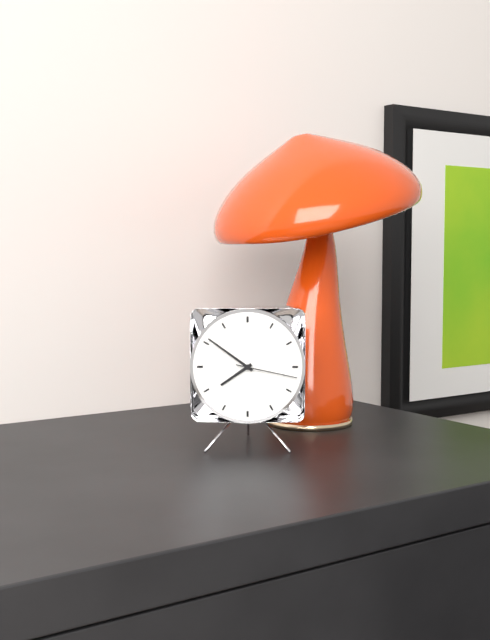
7:51:17
